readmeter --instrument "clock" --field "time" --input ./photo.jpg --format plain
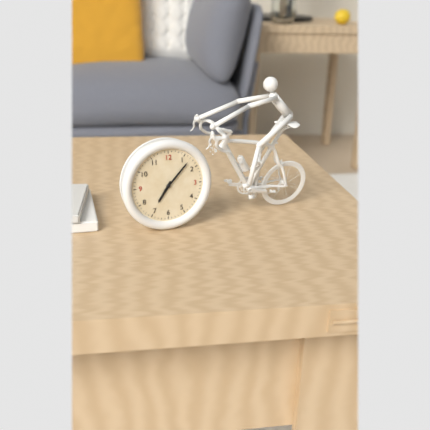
7:07
